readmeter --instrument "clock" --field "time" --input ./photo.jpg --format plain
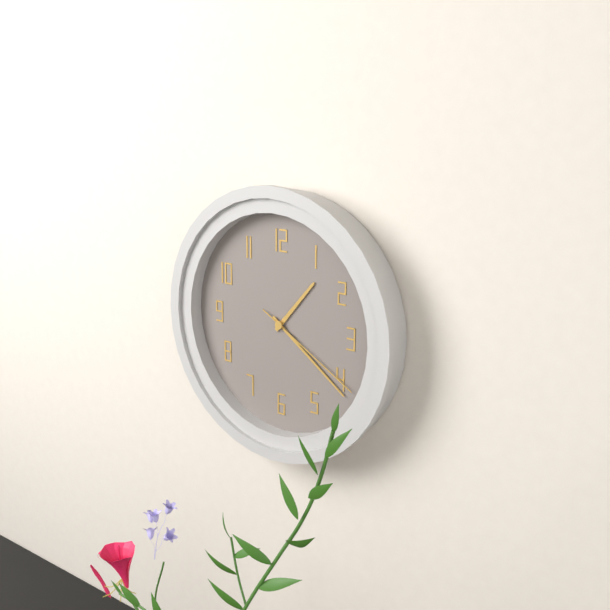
1:21:20
